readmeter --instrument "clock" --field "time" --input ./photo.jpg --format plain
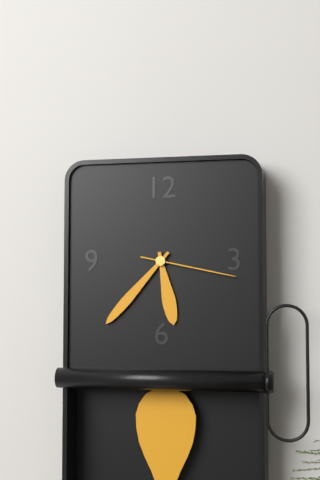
5:37:17
